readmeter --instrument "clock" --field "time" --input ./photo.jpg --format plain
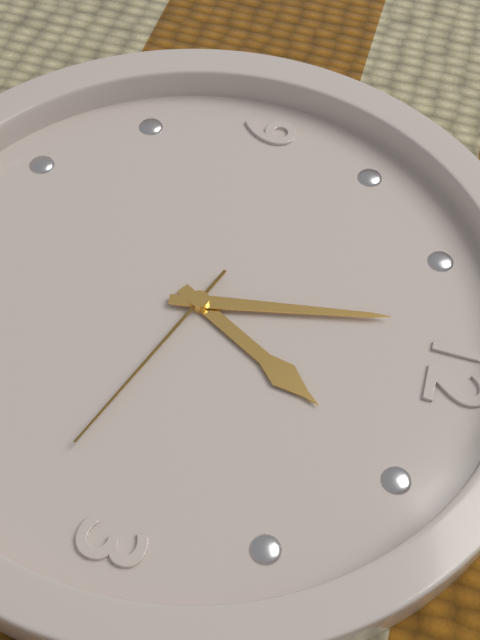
12:58:18
